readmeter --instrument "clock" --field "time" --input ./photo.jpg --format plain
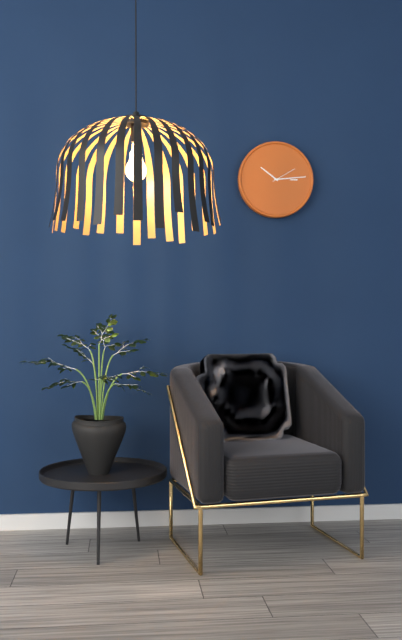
10:14
